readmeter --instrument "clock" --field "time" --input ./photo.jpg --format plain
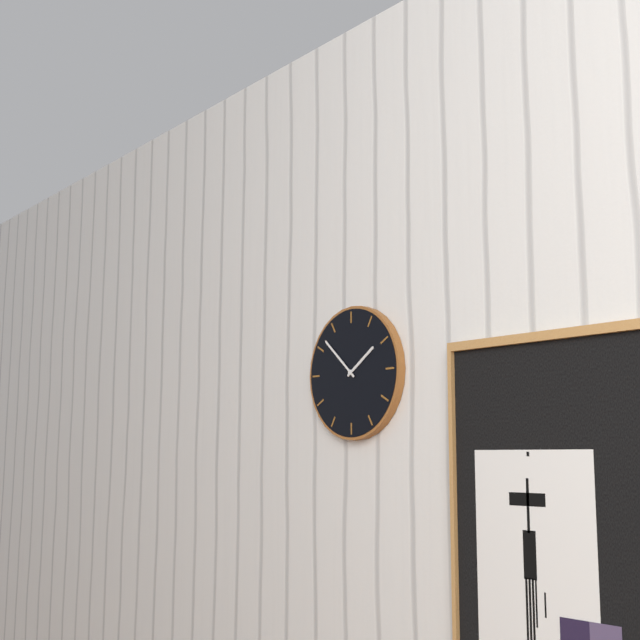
1:52
